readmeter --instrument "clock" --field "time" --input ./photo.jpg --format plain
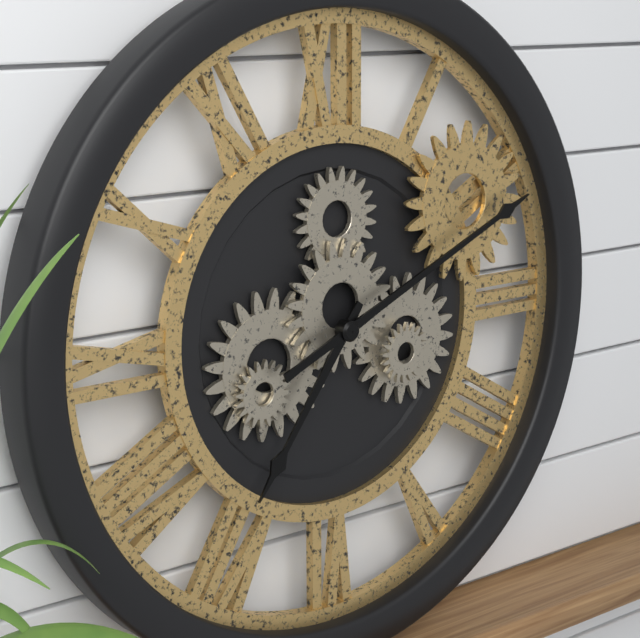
7:11
